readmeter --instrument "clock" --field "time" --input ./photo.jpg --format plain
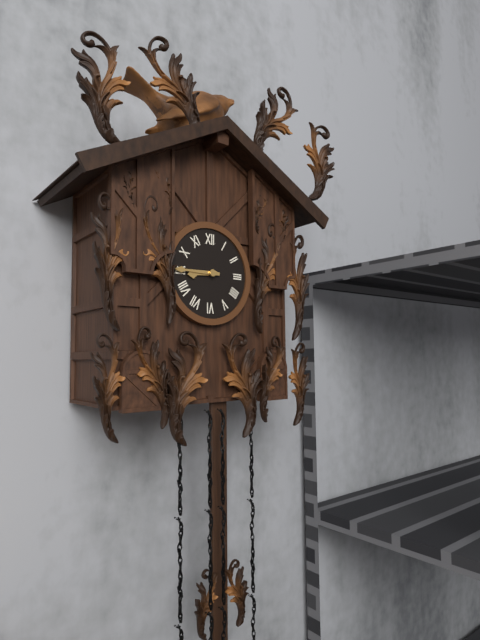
8:45
